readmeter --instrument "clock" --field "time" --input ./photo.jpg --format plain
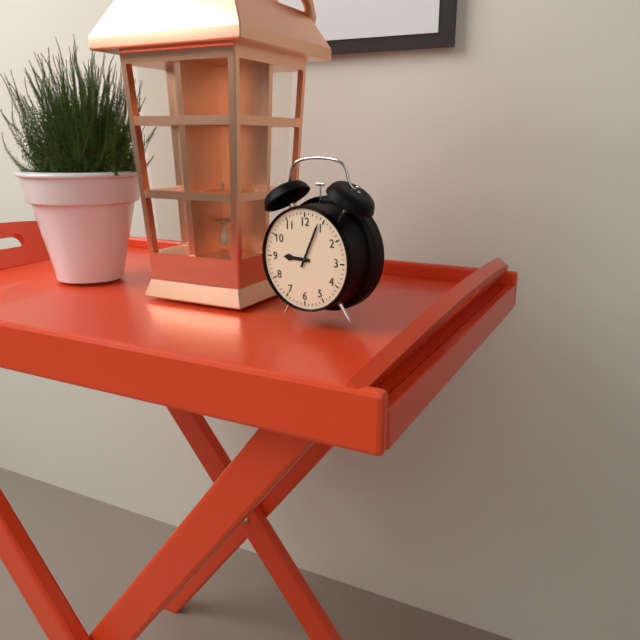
9:04
